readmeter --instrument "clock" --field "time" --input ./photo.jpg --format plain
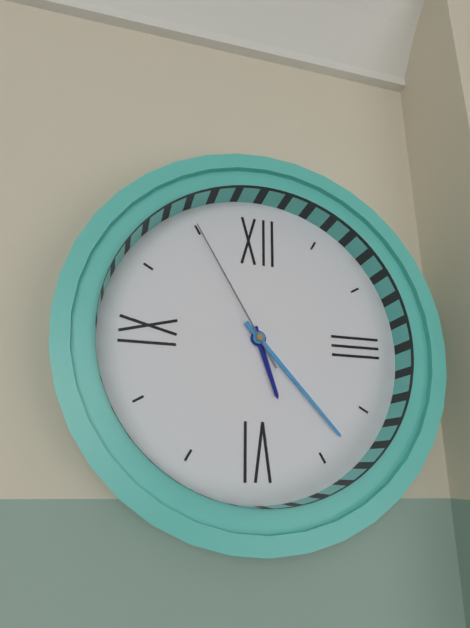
5:23:55
